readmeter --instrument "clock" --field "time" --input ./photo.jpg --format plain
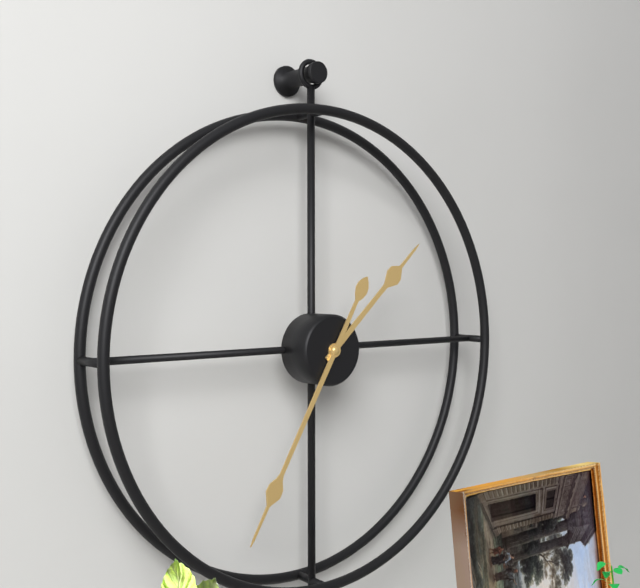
1:35
